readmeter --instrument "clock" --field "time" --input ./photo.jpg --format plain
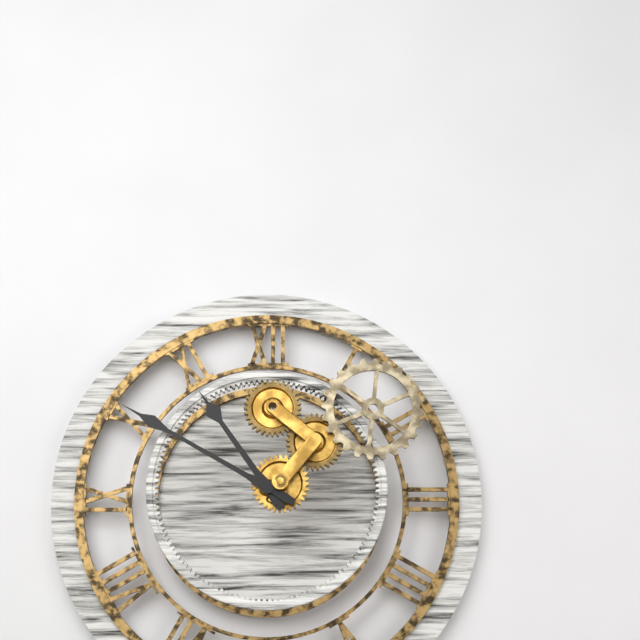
10:50
